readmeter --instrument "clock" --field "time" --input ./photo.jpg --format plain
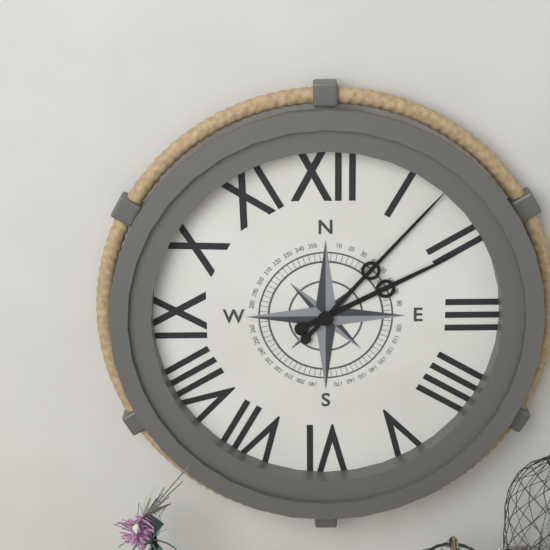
2:07
